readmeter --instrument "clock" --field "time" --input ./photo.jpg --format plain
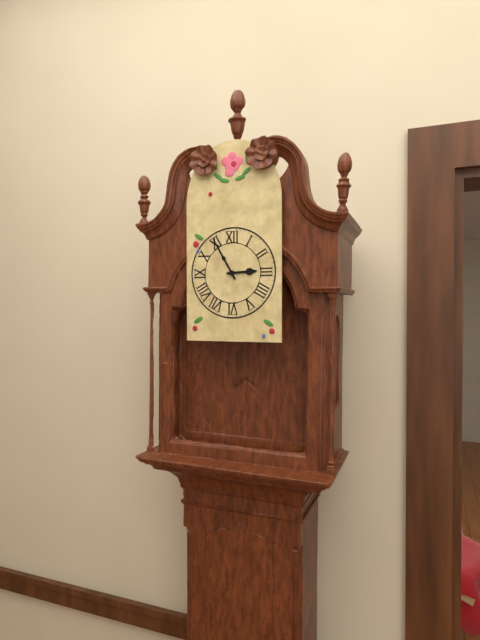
2:55
